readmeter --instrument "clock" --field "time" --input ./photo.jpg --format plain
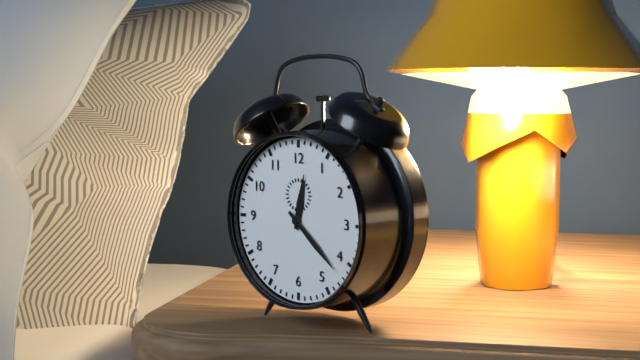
12:22
